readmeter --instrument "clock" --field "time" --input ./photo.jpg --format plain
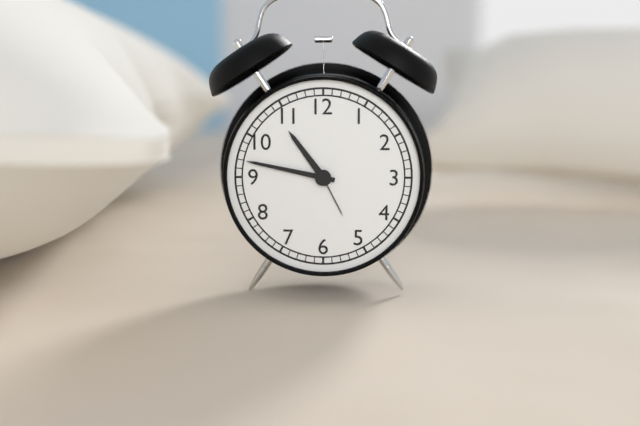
10:47
